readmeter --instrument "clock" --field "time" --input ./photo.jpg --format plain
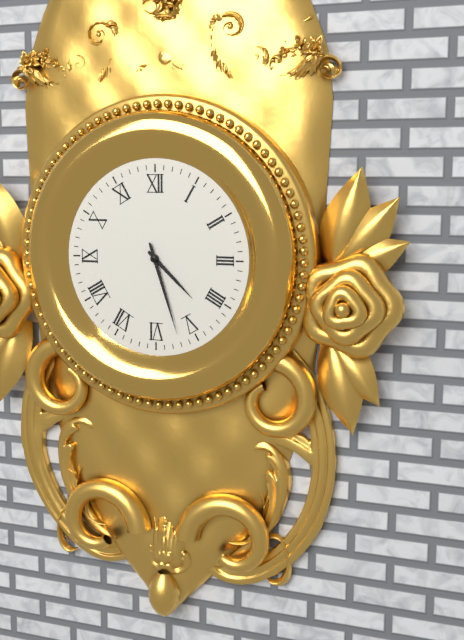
4:27
